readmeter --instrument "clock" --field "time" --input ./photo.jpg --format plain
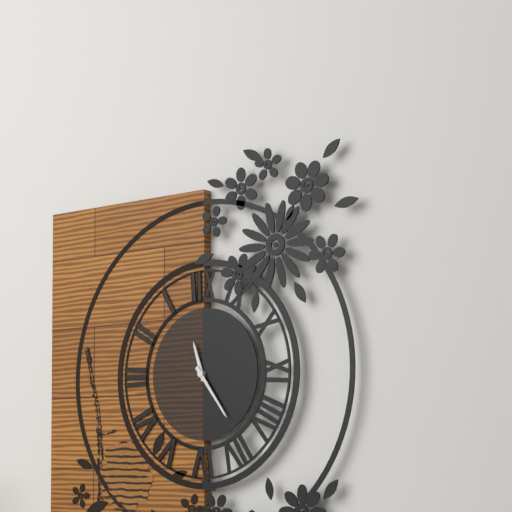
11:24
